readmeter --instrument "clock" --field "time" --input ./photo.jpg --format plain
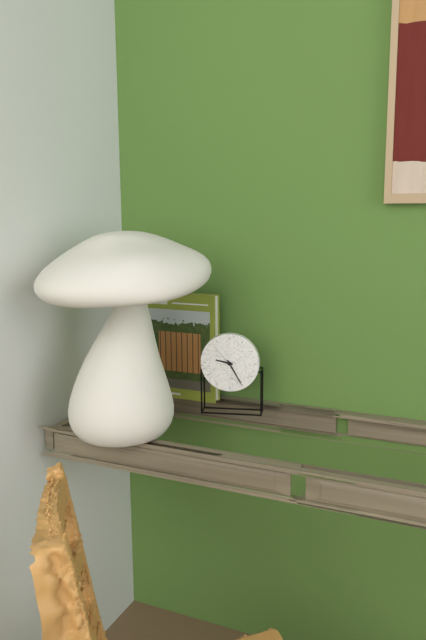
9:25
